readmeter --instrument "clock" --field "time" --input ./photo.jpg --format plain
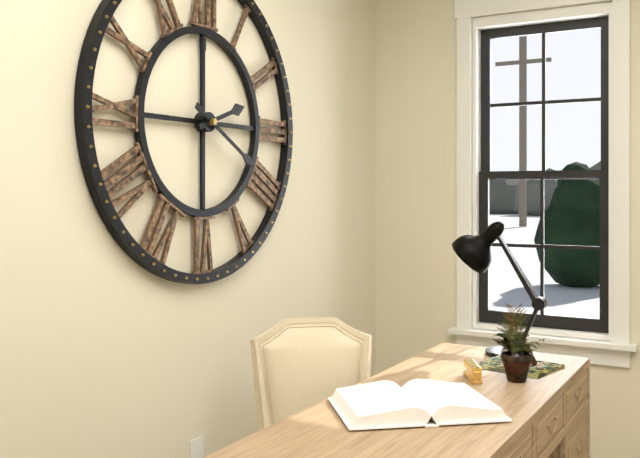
2:20
